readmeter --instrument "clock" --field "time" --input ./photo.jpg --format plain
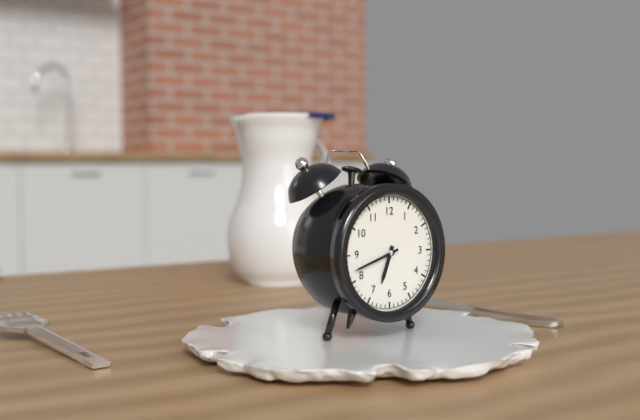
6:42
